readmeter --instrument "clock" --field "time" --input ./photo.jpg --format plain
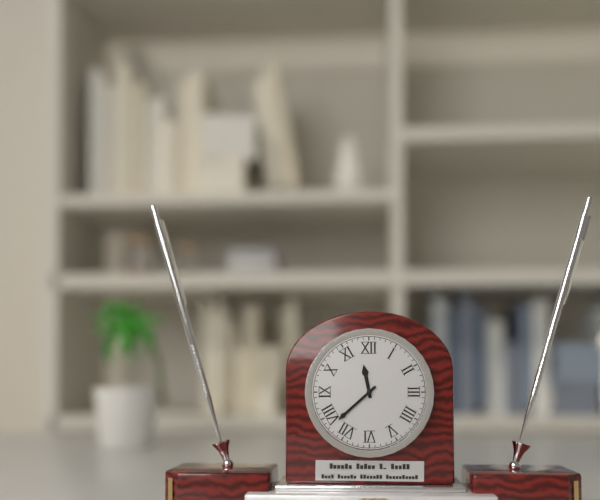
11:38
